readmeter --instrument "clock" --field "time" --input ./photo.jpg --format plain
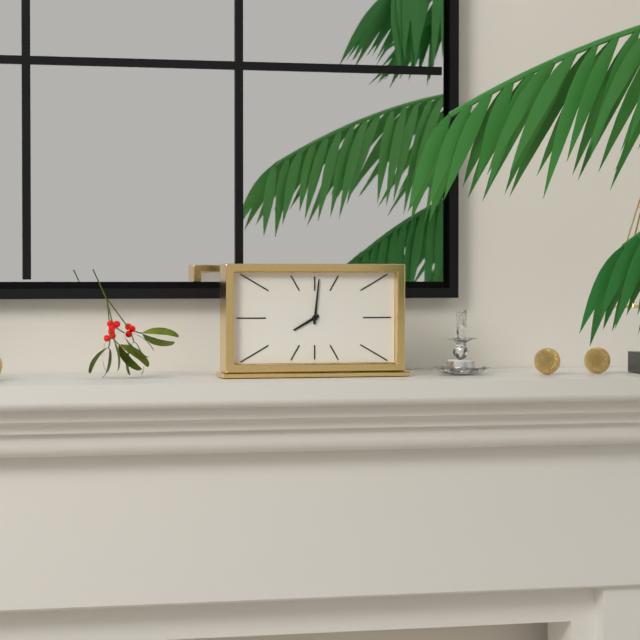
8:01
